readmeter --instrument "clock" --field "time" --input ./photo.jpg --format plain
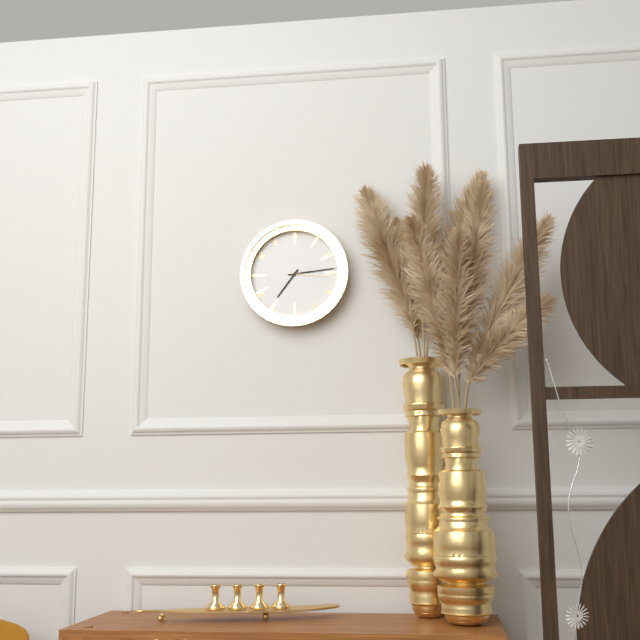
7:14
